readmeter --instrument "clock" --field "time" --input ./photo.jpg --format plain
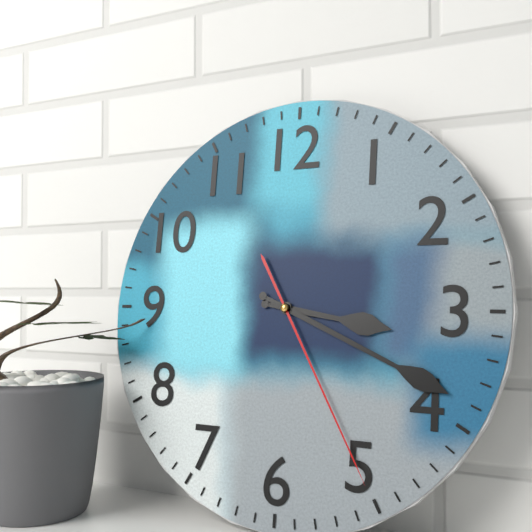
3:19:25
